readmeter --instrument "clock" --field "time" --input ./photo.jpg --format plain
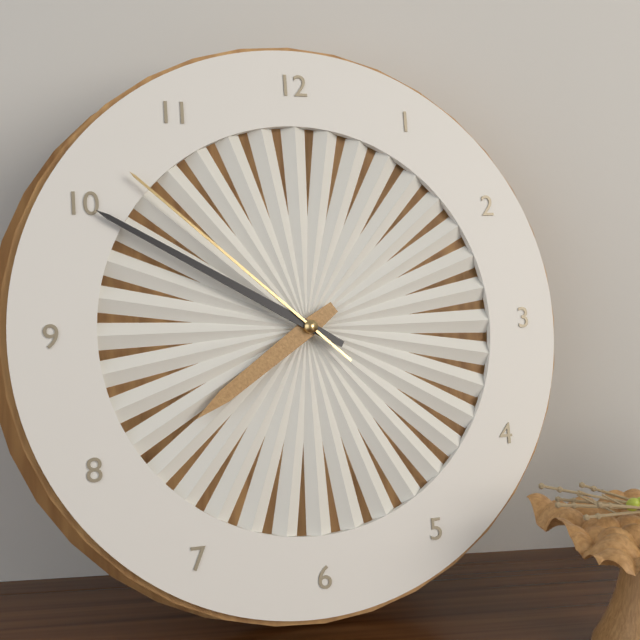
7:50:52
